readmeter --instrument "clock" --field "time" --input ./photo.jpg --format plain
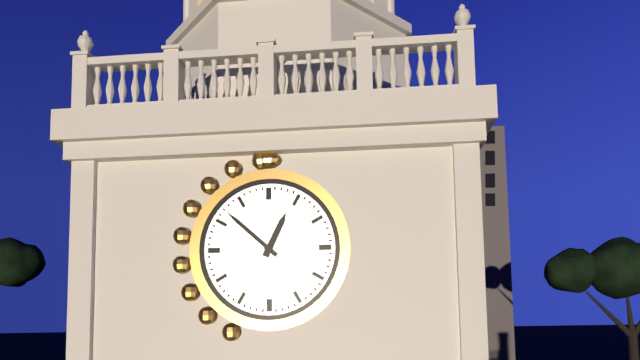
12:52
